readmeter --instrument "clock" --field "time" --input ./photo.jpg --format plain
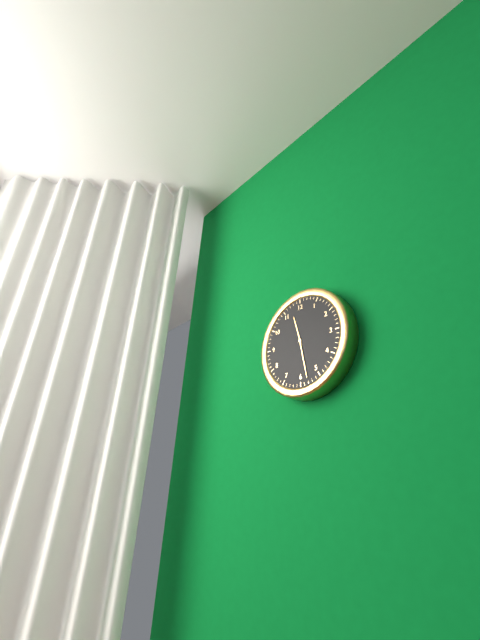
11:28
